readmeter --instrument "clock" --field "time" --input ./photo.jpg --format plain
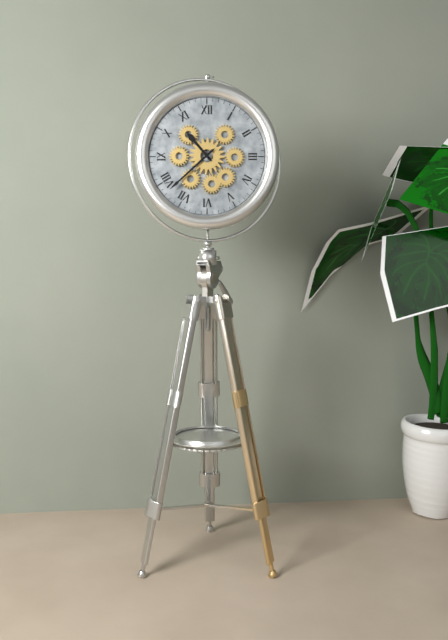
10:38
